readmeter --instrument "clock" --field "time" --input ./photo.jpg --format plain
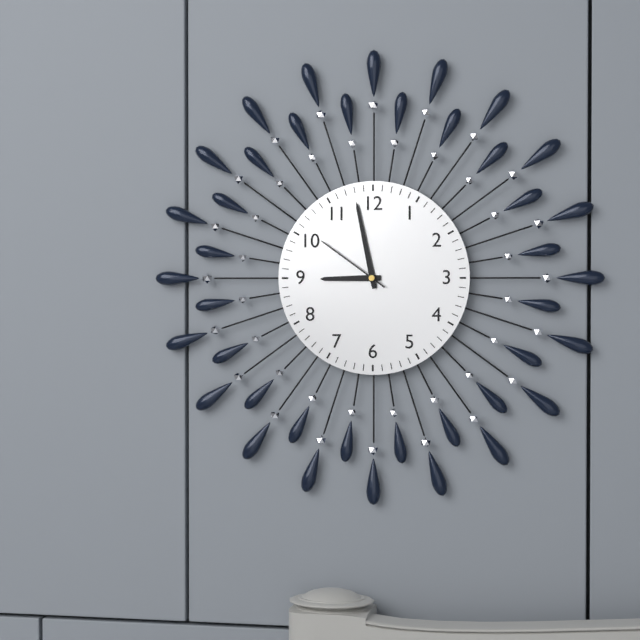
8:58:51
